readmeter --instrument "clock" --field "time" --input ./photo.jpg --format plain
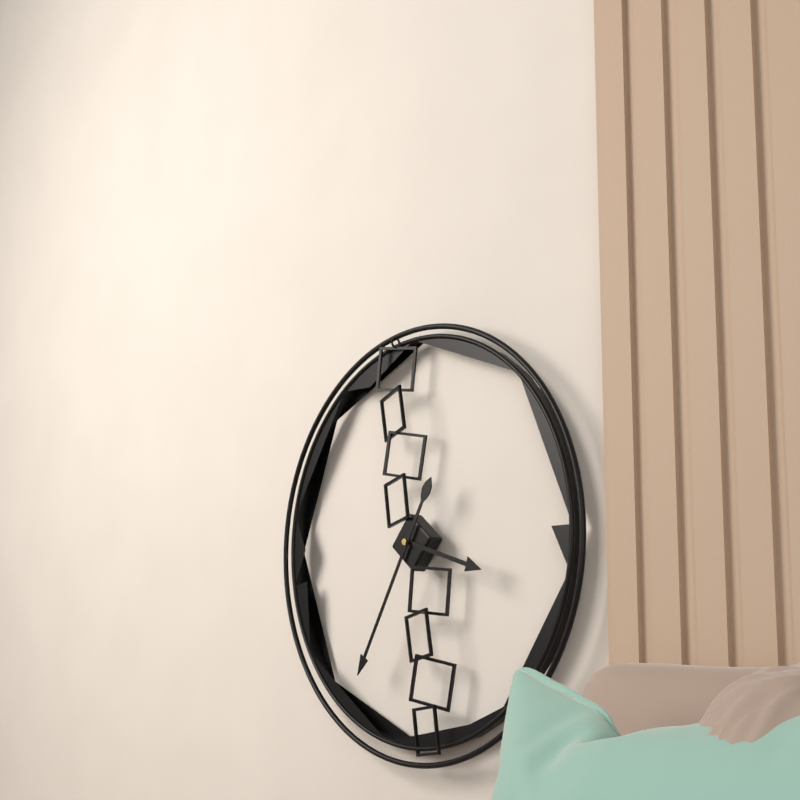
3:35
